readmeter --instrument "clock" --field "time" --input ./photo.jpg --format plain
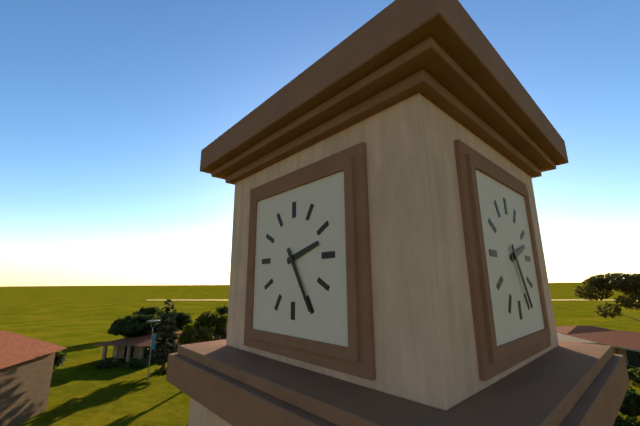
2:25
